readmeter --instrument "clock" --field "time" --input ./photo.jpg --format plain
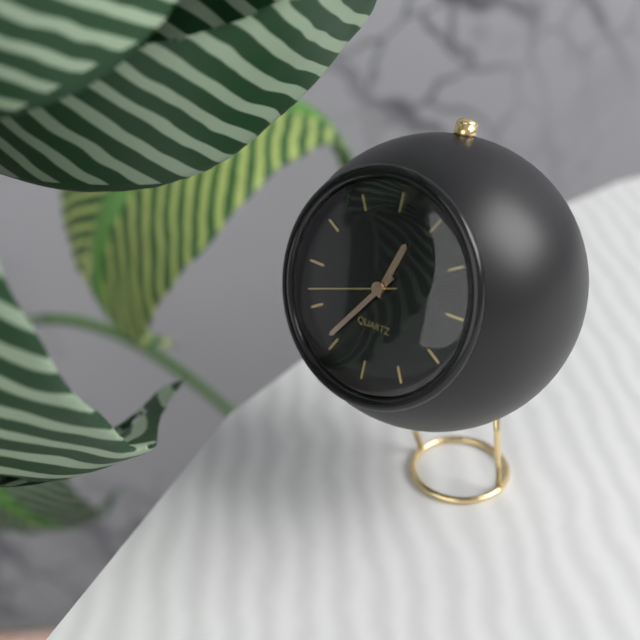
12:36:42
